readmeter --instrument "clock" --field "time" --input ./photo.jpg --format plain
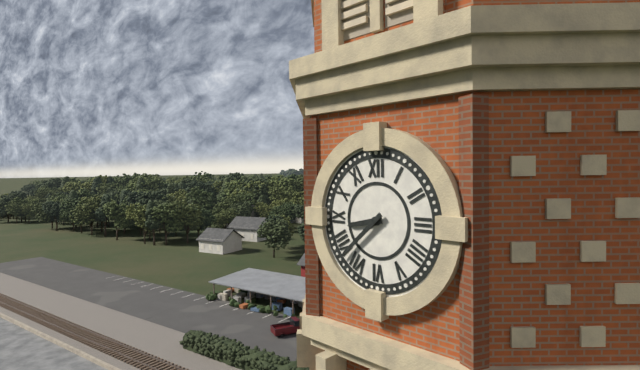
8:38
